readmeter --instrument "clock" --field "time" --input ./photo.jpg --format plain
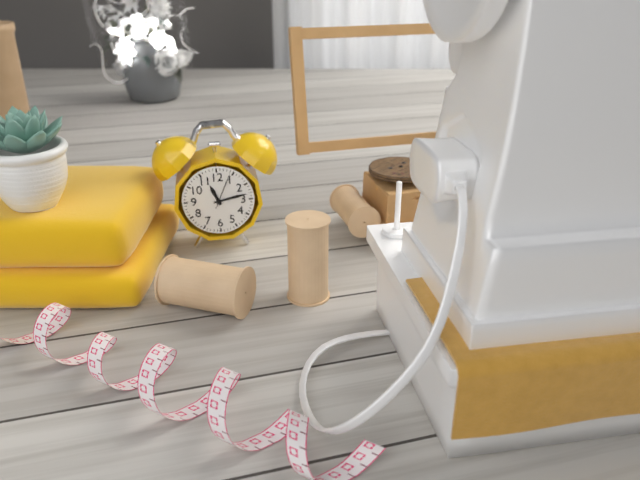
11:13
